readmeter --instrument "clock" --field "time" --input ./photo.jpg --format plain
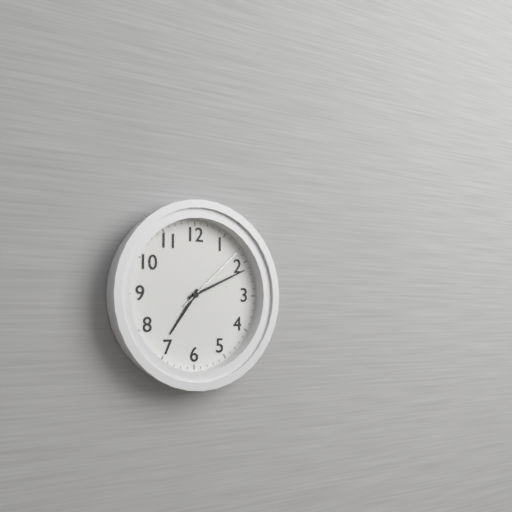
7:11:08
